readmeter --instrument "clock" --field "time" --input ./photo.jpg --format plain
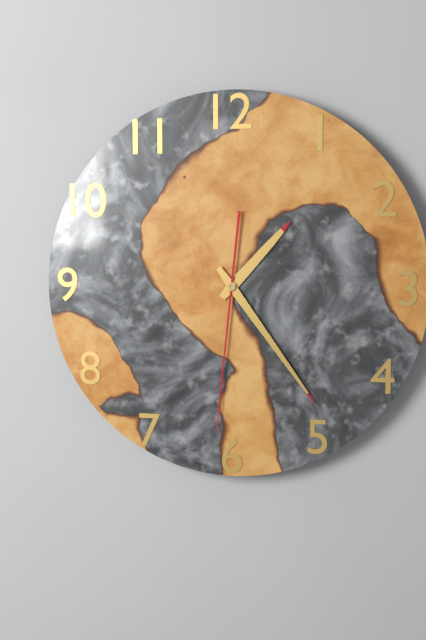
1:24:31
